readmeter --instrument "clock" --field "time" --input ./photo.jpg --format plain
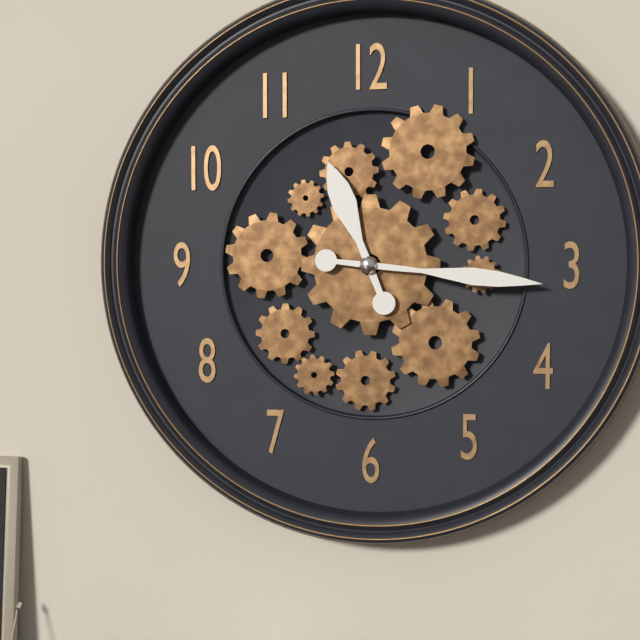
11:16
